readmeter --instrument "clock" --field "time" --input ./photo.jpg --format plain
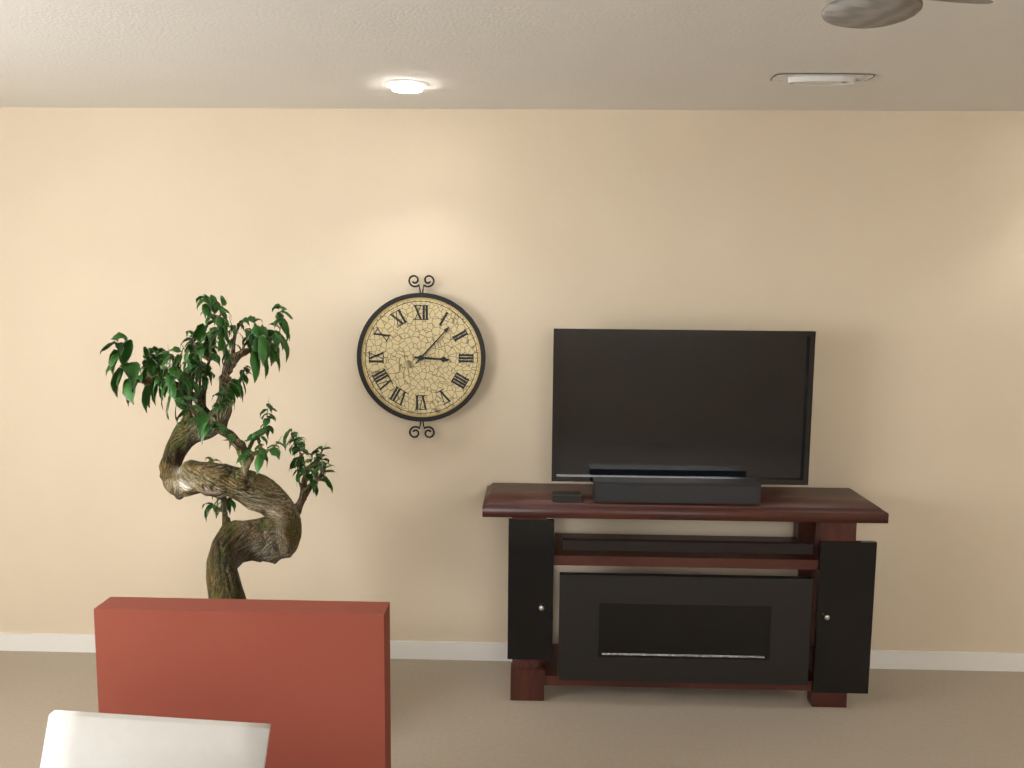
3:07
